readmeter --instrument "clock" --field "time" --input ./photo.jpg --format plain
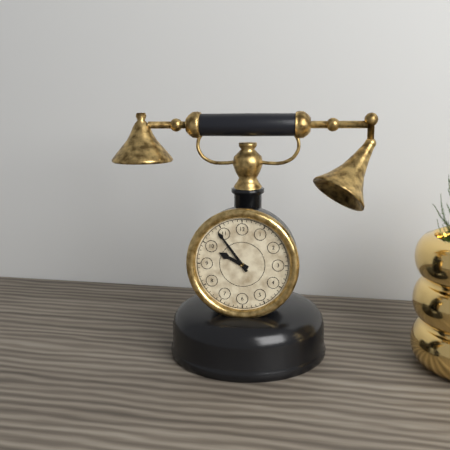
9:54
